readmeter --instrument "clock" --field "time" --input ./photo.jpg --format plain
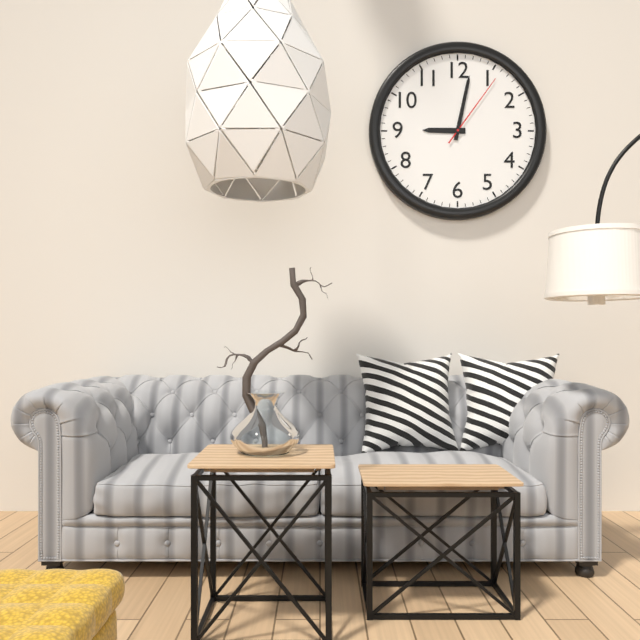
9:02:06
